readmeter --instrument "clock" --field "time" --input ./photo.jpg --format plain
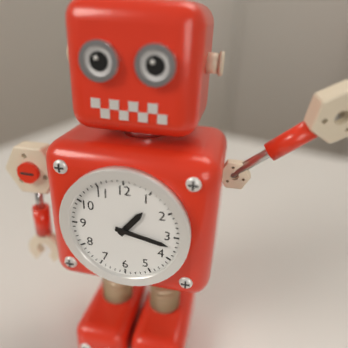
1:17
